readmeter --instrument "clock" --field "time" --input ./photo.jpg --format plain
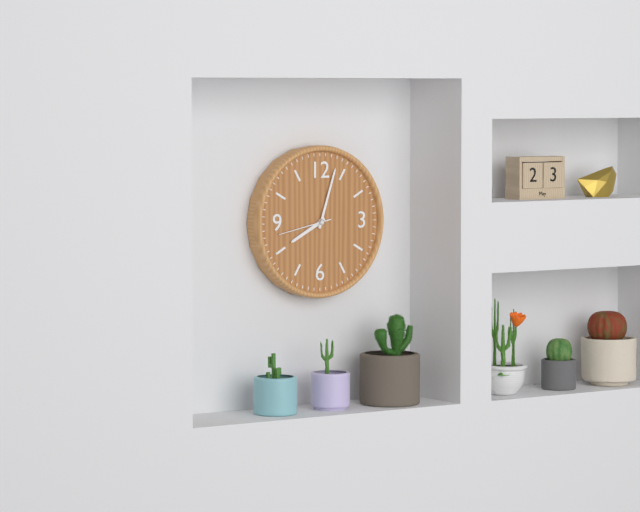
8:03:43
